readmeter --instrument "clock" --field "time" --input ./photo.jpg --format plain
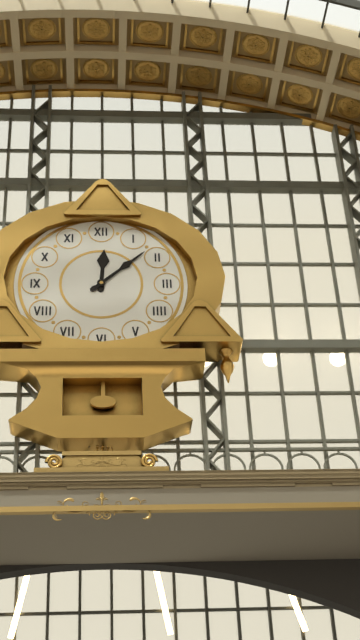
12:08
